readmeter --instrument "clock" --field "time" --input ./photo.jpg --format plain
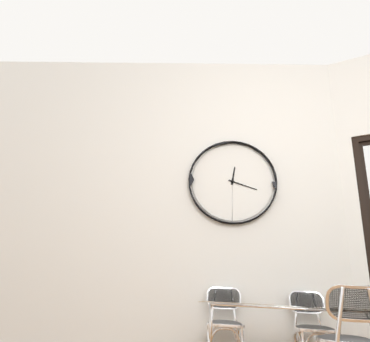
12:18
